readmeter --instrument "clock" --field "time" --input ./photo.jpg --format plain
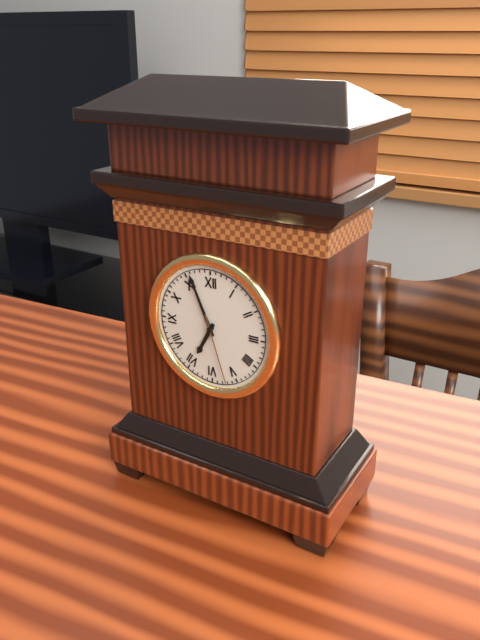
6:56:27
